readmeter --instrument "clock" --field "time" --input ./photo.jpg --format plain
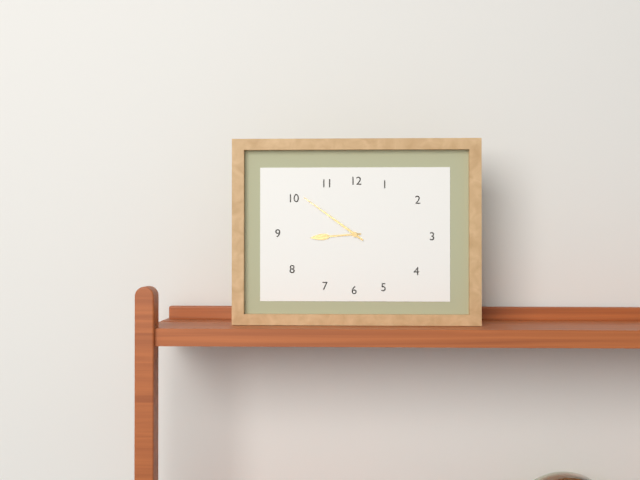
8:51
